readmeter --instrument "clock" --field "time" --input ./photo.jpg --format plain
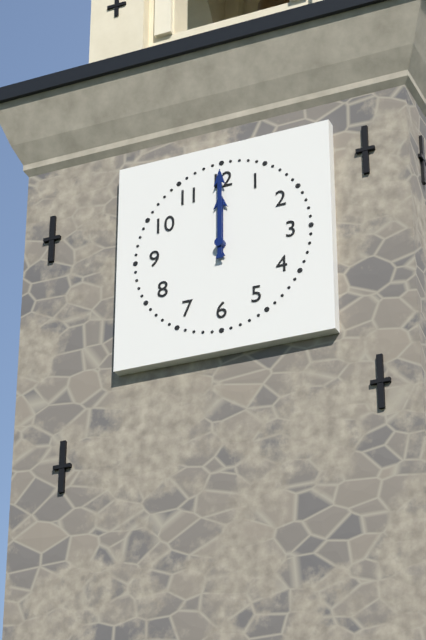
12:00
